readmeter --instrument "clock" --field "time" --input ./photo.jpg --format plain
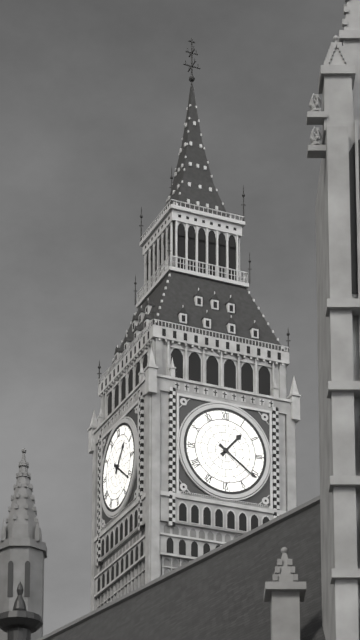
1:21
